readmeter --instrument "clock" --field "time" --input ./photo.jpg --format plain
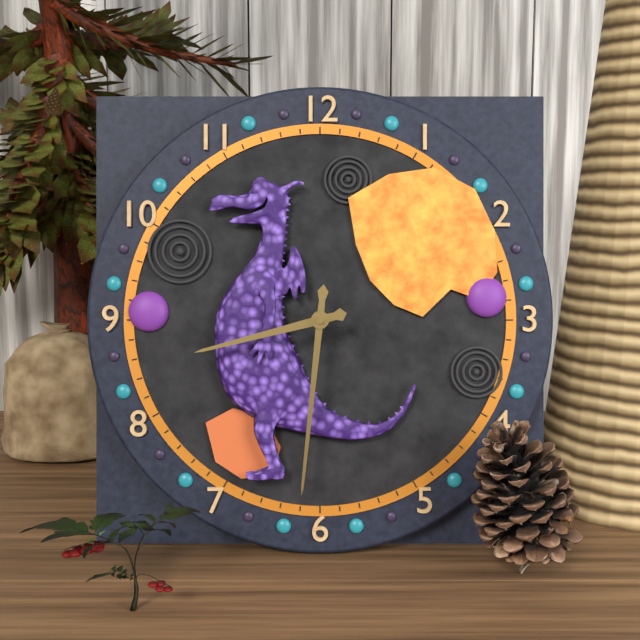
8:31
